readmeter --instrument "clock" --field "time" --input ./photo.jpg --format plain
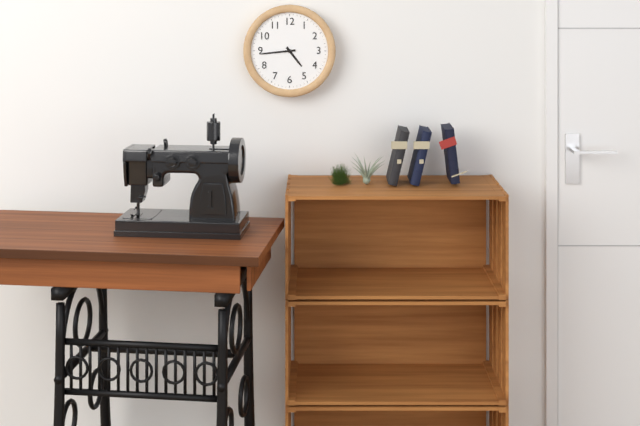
4:44
